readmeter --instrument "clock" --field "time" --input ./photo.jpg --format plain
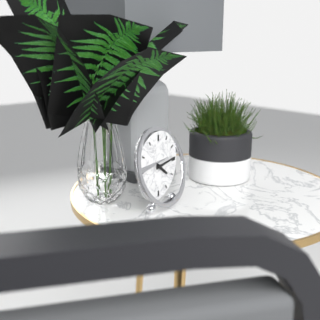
4:14
